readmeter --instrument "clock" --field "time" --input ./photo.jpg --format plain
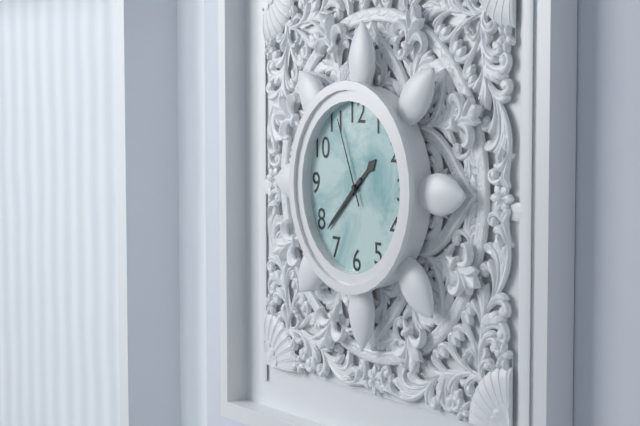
1:38:56
